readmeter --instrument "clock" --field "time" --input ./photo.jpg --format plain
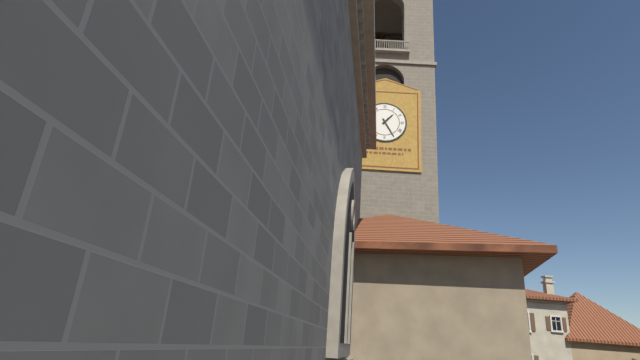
1:25
